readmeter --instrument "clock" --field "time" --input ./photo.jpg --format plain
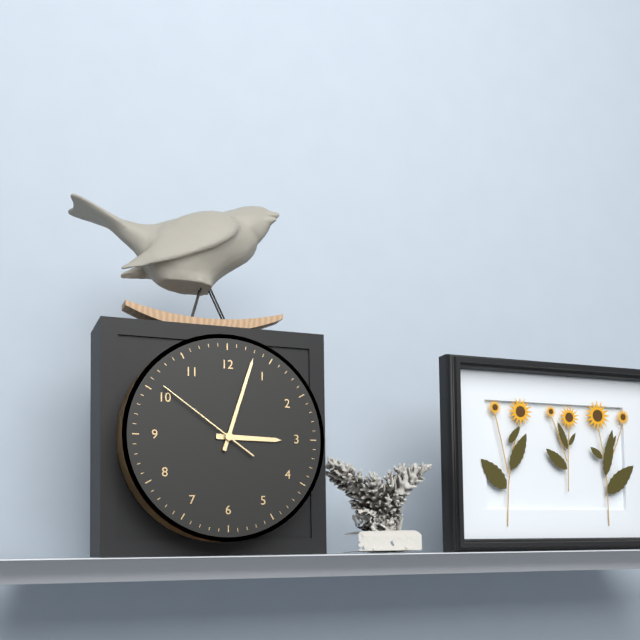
3:03:51
